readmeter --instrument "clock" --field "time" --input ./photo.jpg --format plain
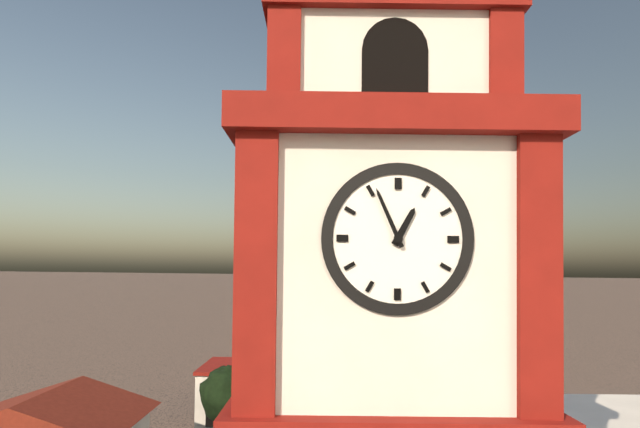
12:56
